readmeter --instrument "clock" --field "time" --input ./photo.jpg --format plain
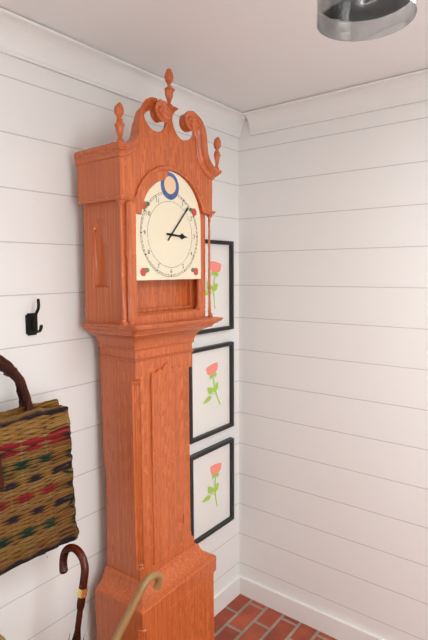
3:07
